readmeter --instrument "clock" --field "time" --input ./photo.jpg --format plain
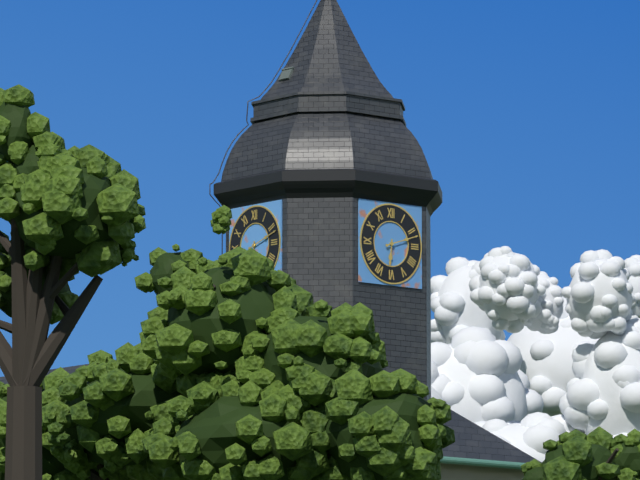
6:12
